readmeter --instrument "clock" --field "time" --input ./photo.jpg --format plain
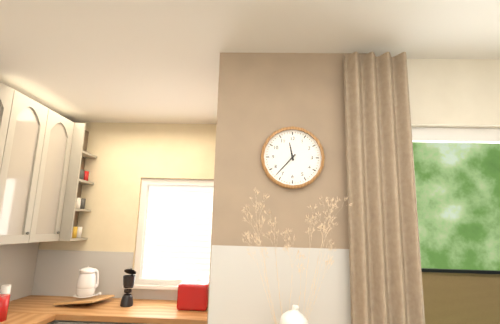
11:37
